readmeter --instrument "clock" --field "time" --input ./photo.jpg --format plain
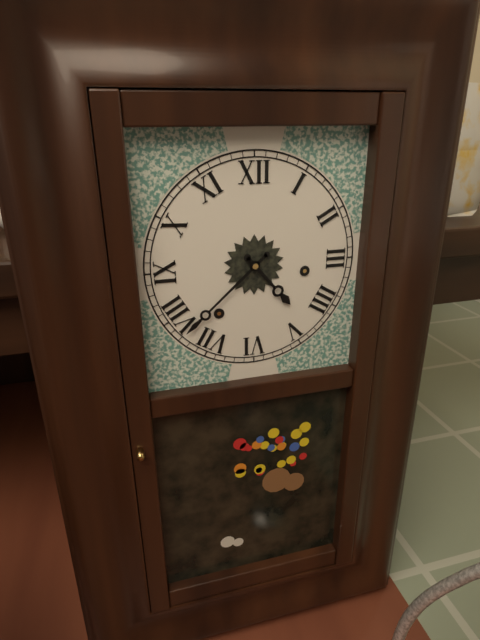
4:38
